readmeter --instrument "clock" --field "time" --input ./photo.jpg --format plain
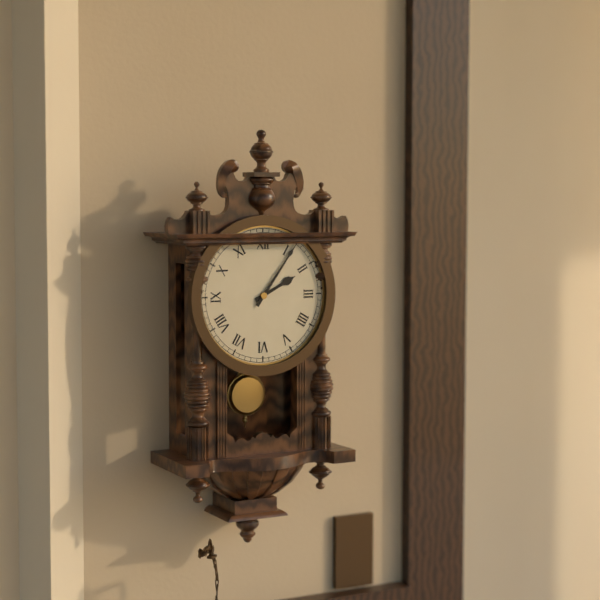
2:06
